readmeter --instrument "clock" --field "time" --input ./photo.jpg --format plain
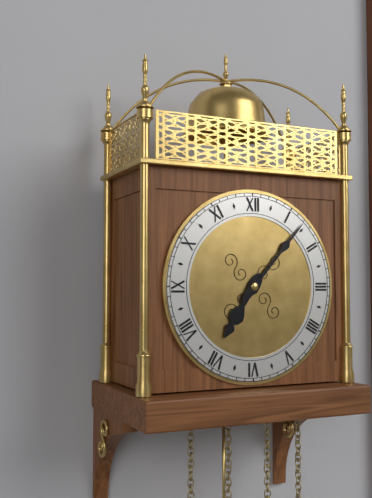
7:07
